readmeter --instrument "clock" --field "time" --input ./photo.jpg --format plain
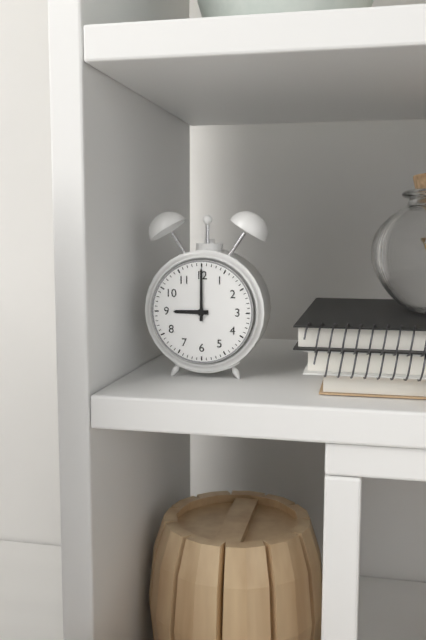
9:00
